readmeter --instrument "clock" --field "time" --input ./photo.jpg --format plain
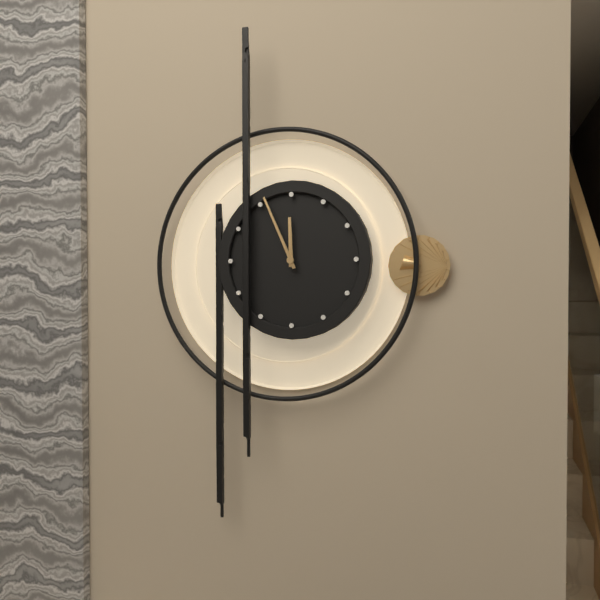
11:56
